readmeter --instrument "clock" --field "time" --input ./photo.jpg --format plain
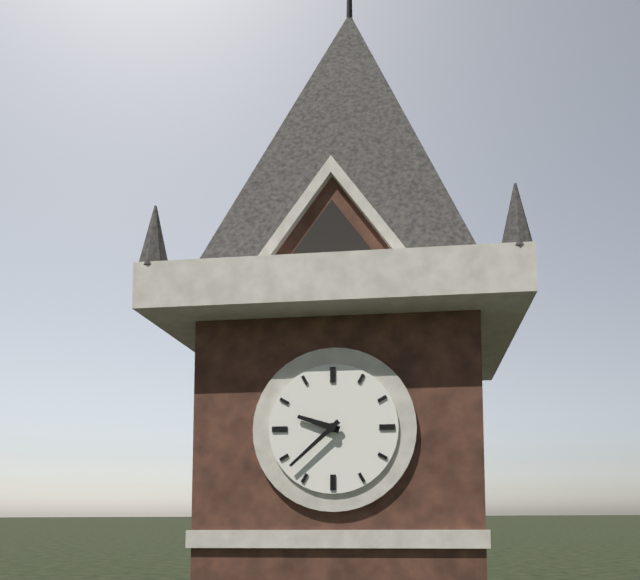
9:38
